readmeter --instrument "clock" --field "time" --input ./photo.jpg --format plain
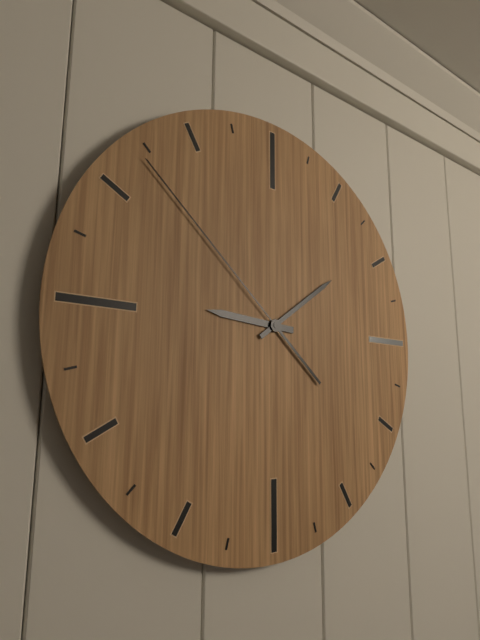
9:09:52
